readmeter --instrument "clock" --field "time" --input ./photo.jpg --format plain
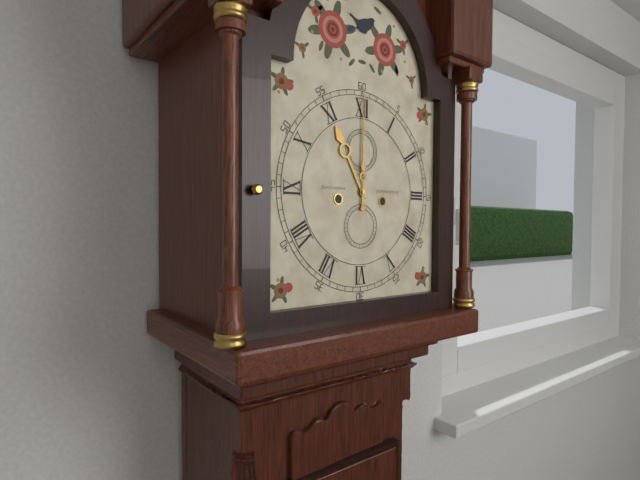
11:00
